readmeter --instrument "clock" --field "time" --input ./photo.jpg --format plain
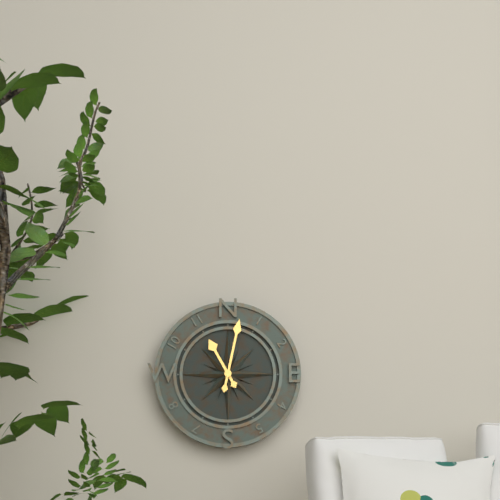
11:02
